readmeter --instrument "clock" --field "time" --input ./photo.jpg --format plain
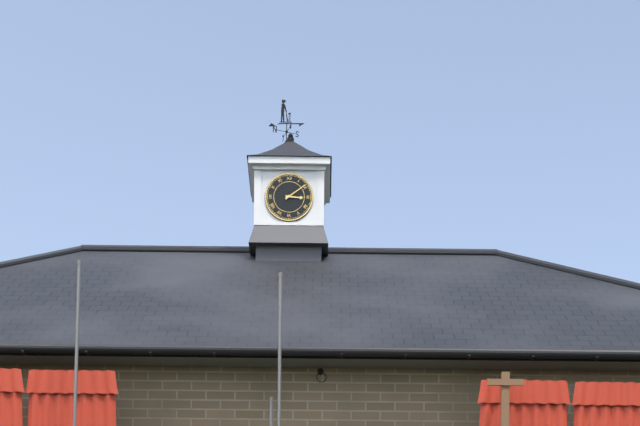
3:09
